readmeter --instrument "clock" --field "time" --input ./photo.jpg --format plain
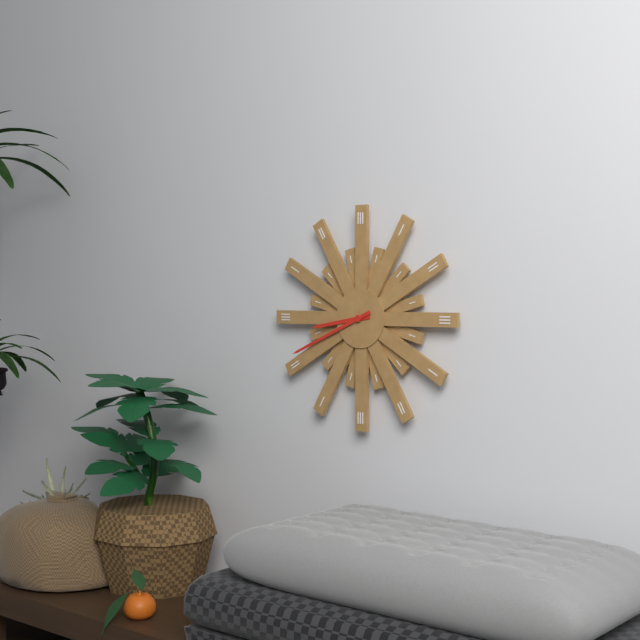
8:41
